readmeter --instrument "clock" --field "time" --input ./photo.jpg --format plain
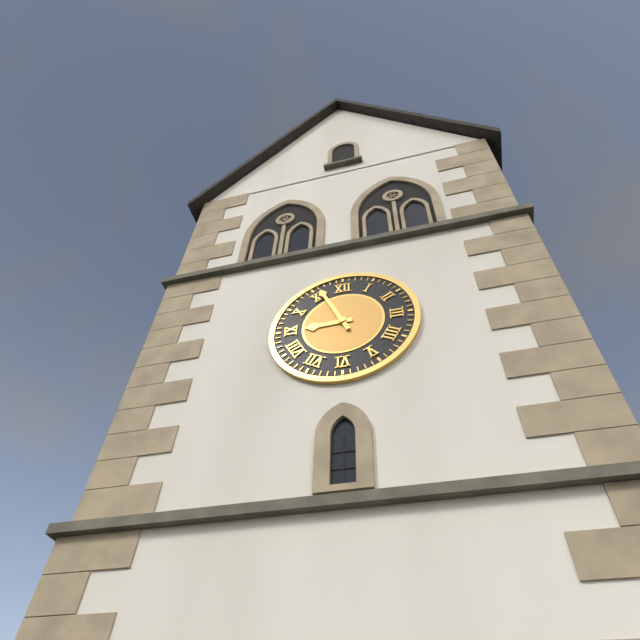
8:56
